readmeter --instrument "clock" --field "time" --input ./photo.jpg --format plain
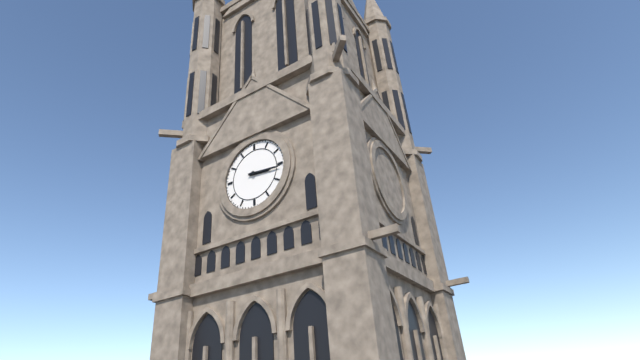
3:16
